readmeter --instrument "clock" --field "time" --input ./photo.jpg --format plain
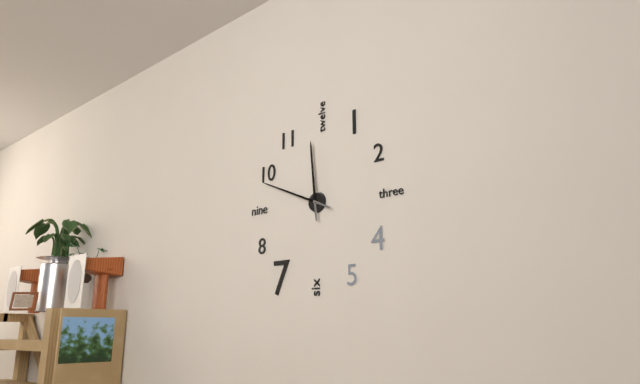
11:49
